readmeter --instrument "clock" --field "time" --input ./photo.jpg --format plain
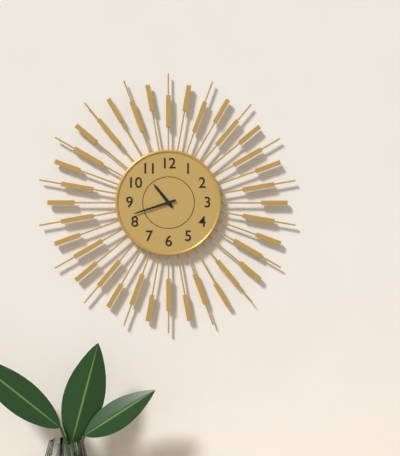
10:42
